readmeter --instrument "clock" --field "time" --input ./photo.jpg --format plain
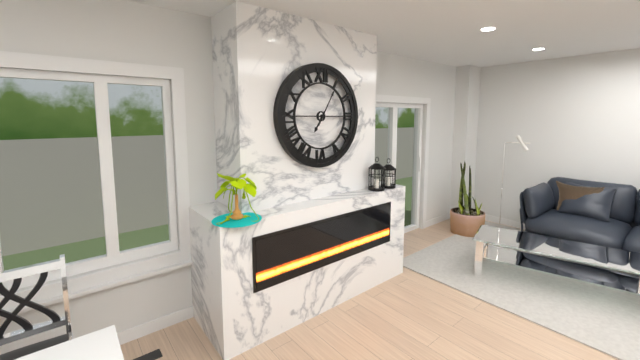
7:05
